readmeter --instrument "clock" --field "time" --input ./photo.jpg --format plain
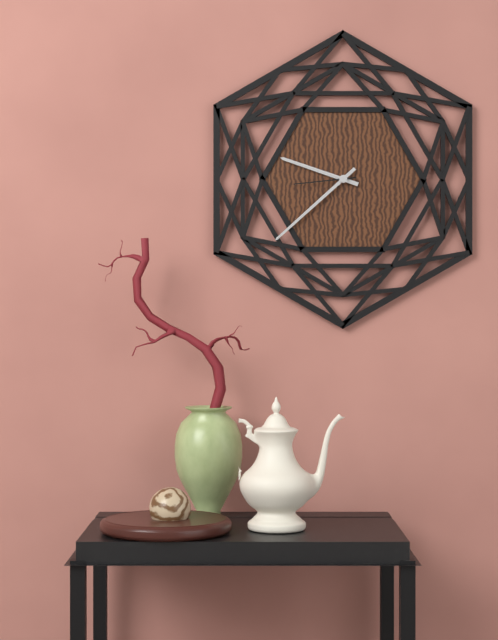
9:38:44
